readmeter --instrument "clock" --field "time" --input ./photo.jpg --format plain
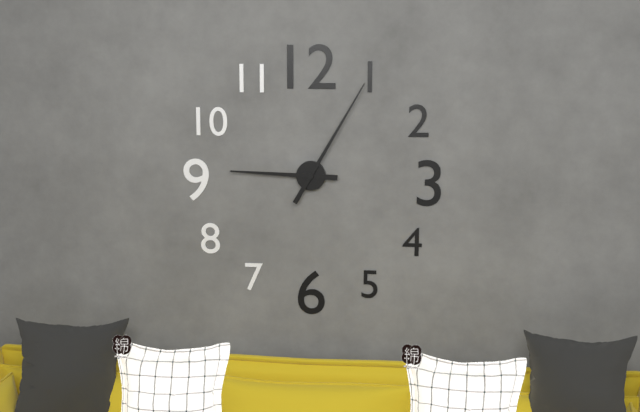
9:05
